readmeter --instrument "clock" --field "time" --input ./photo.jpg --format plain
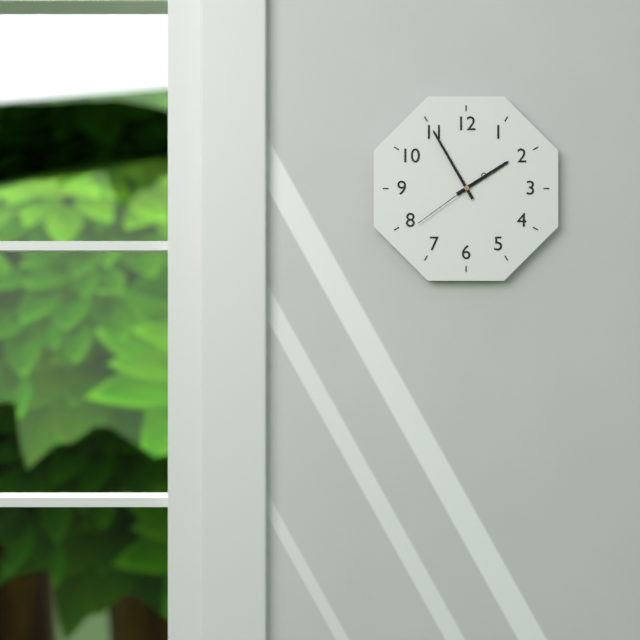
1:55:39
